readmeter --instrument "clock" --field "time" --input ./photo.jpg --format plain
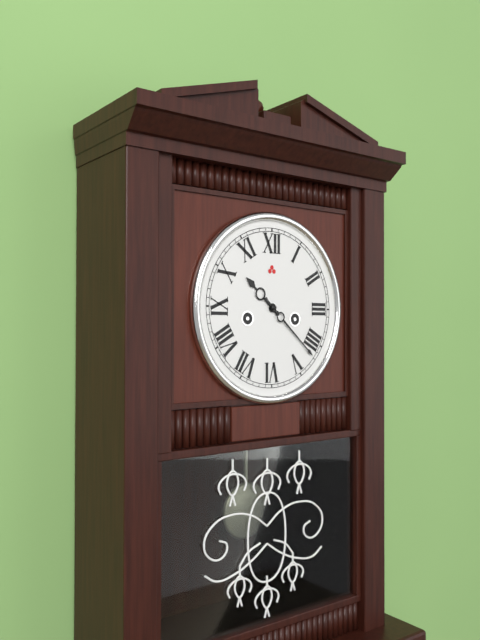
10:22
